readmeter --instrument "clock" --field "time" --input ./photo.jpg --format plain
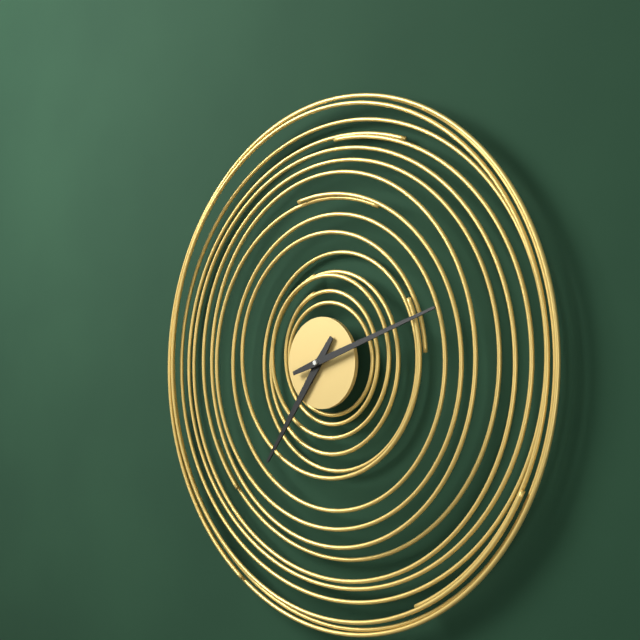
7:12
